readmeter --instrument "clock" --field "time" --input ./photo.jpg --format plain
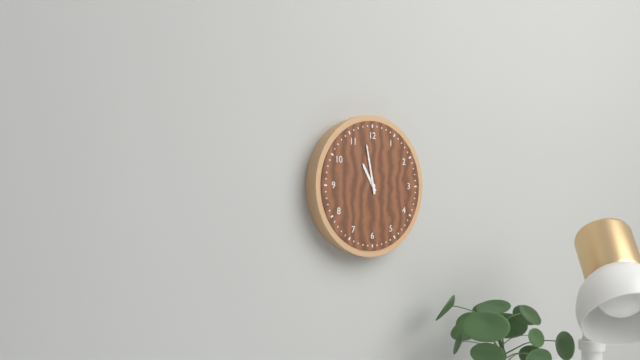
10:58
